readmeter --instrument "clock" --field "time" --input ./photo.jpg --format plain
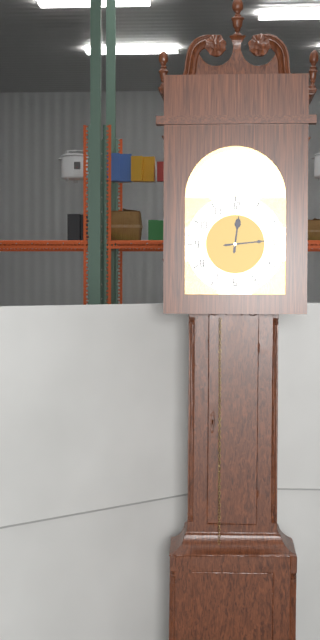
12:14
